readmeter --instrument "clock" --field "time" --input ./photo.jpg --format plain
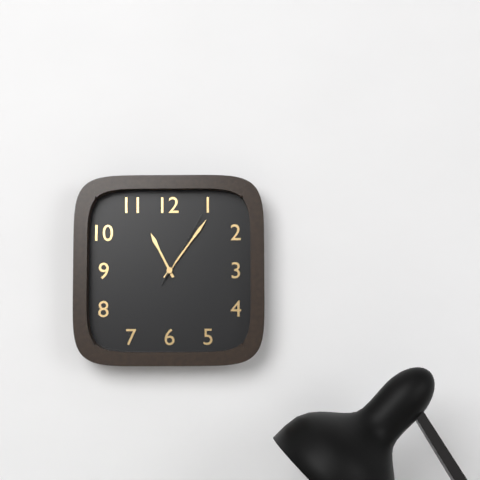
11:06:05
